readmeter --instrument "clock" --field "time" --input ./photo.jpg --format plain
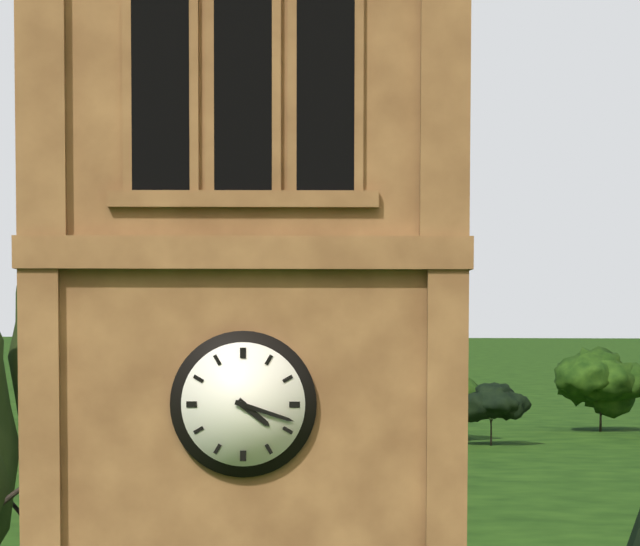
4:18
